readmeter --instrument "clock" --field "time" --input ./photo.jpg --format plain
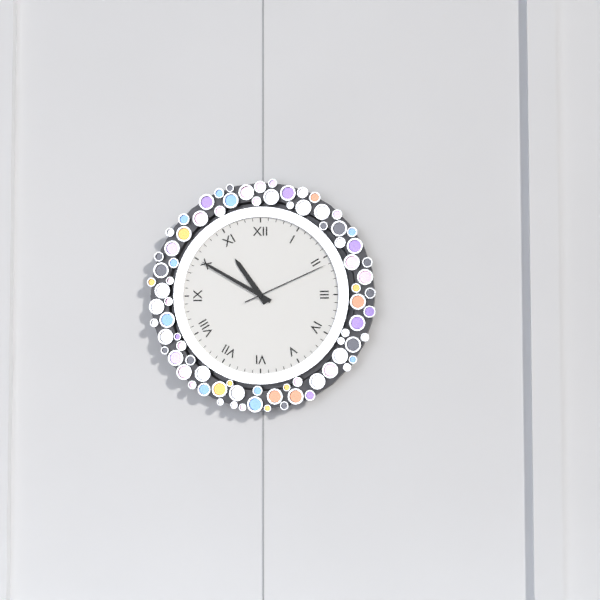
10:50:11
